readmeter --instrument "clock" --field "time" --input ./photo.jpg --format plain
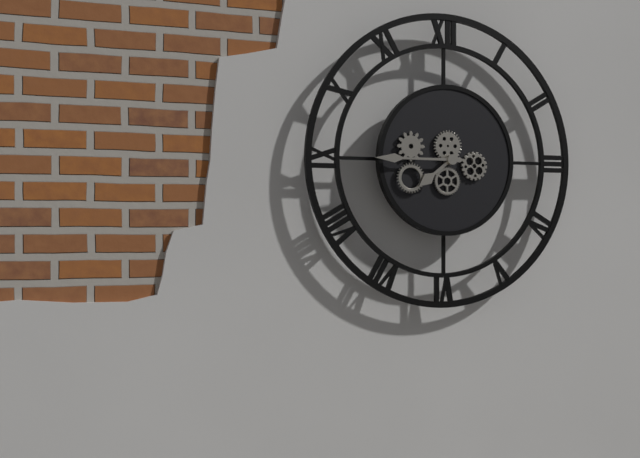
7:45
